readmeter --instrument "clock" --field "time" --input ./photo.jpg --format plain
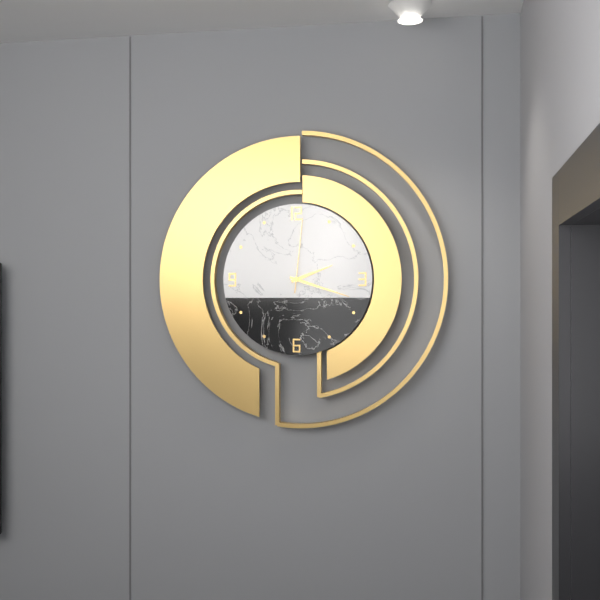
2:18:01
